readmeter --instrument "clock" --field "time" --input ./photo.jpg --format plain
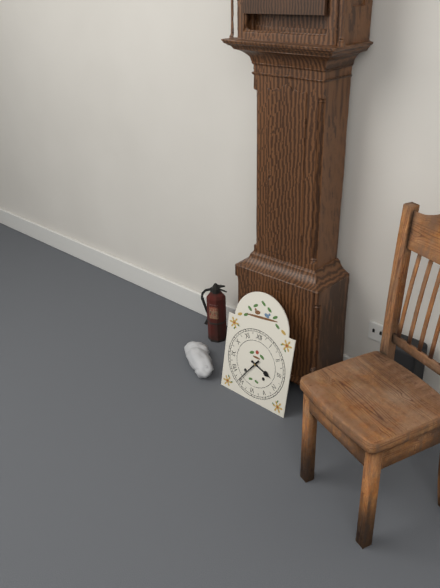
3:36
